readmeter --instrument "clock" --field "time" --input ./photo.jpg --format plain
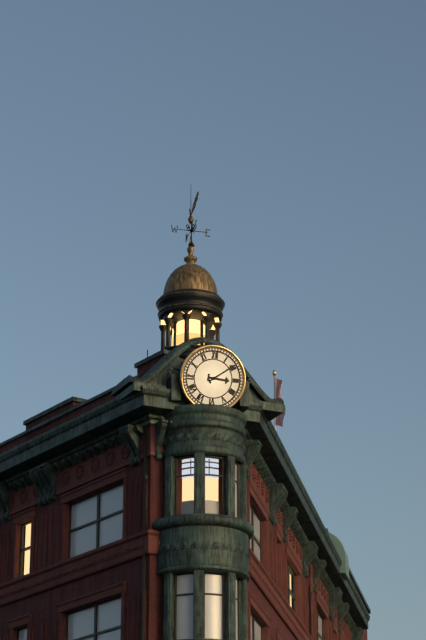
3:09
